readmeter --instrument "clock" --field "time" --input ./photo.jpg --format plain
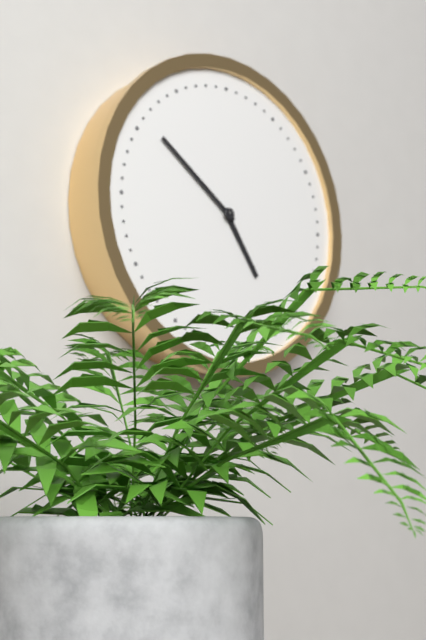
4:51
